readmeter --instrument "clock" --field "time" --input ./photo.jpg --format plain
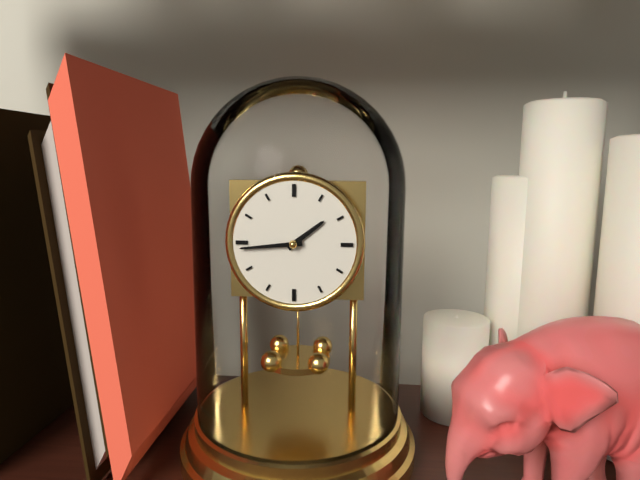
1:44
